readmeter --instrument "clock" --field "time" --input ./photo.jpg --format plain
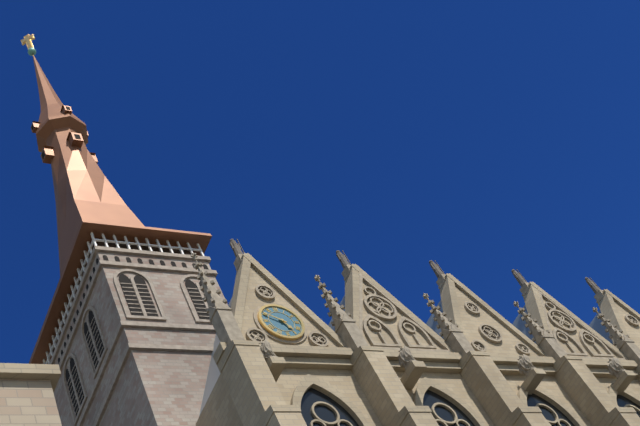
4:50
